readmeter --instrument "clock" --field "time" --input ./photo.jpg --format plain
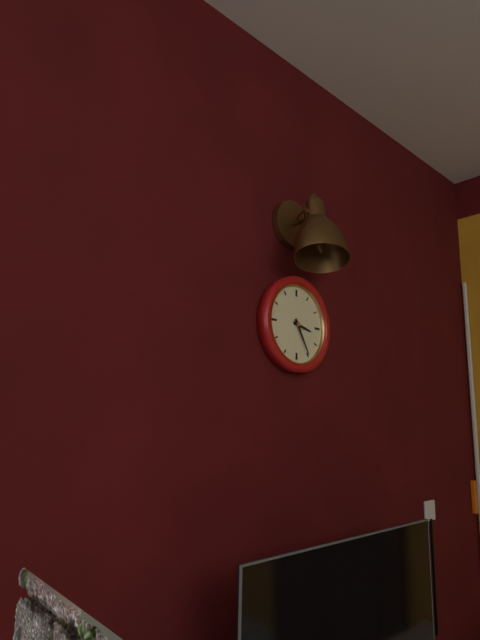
3:25
